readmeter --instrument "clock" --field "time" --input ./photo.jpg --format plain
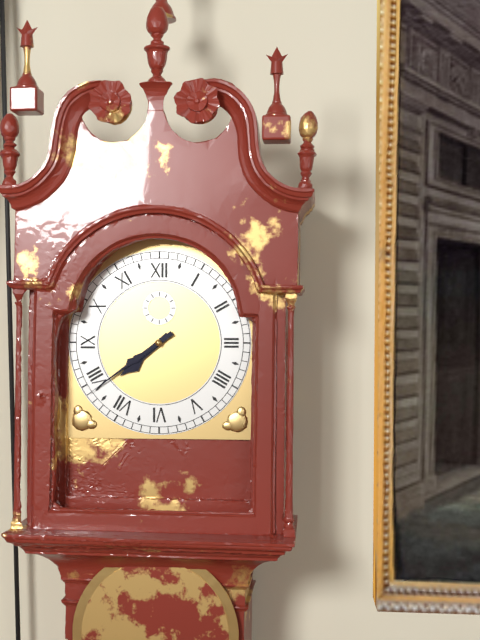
7:39
